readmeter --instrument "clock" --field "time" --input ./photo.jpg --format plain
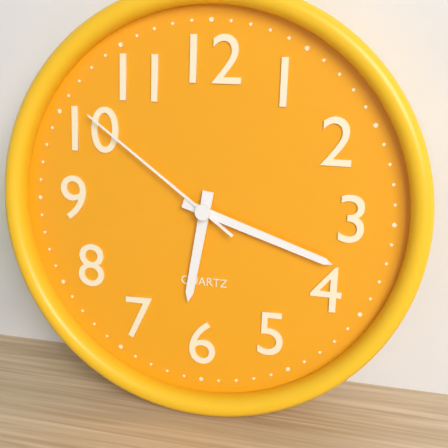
6:18:51
